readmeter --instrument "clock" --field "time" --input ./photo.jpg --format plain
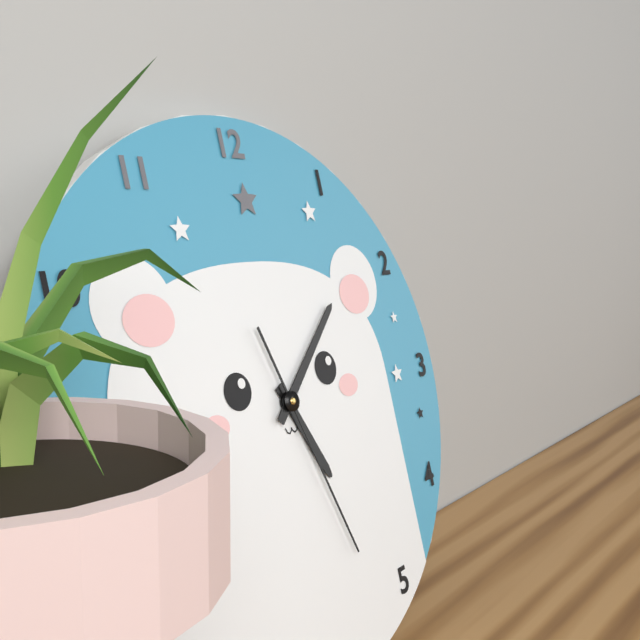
5:08:27
